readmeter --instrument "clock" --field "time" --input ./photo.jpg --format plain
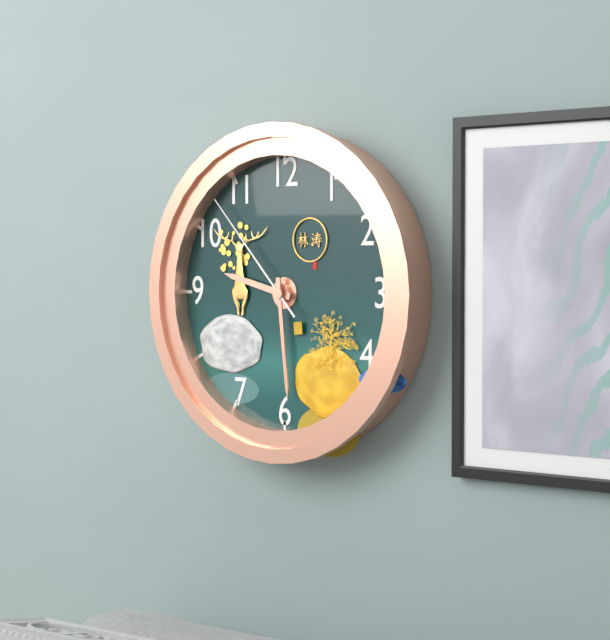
9:29:53
